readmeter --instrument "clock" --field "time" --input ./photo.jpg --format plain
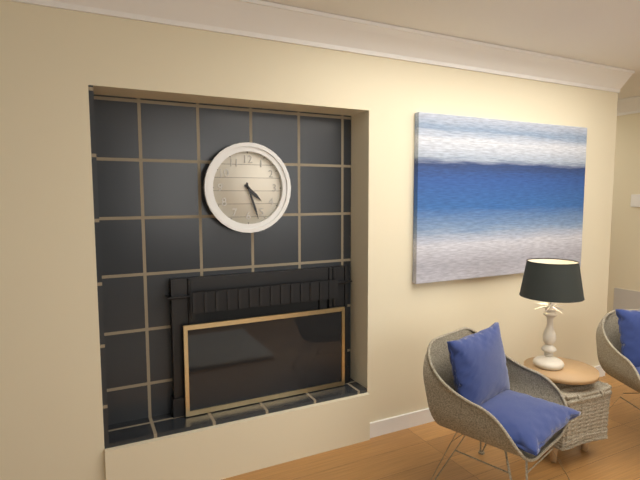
4:27
